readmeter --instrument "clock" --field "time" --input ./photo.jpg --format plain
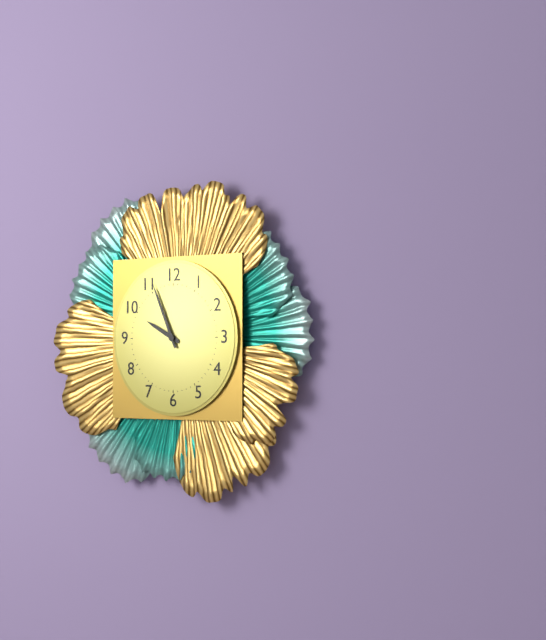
9:56
